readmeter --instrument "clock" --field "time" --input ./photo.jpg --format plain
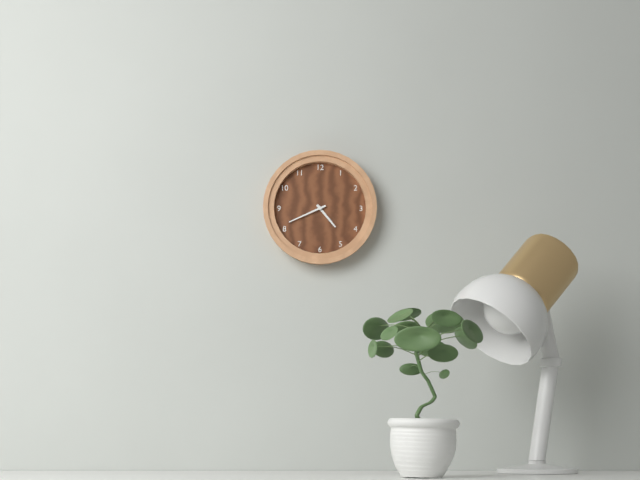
4:41
